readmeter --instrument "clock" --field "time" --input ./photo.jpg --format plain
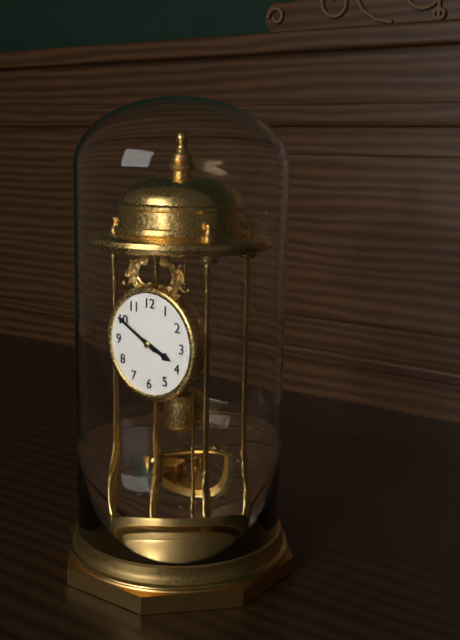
3:50
